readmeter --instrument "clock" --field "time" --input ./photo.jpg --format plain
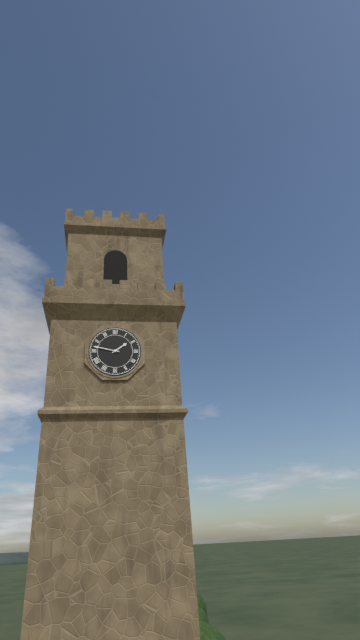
1:47
